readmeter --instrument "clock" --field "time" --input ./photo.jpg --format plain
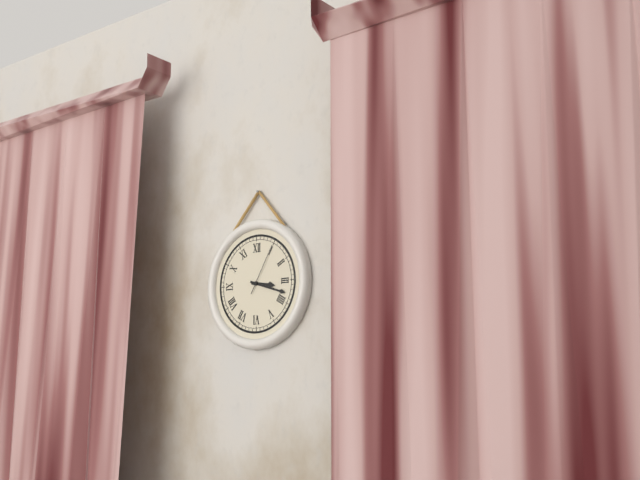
3:18:05
